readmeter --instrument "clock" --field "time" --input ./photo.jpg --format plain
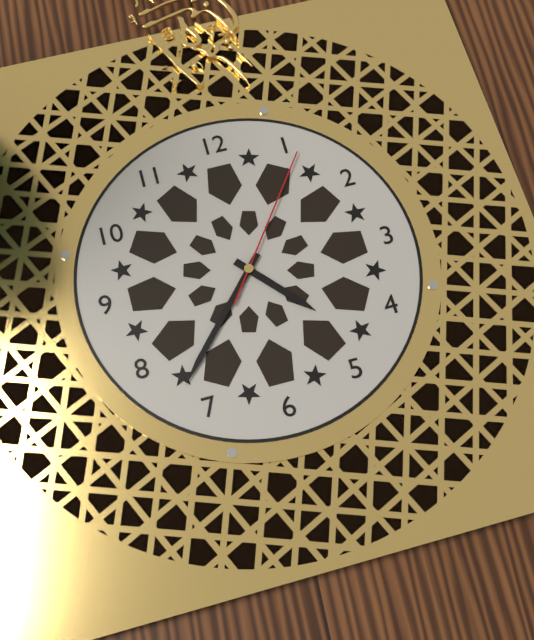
4:37:06
